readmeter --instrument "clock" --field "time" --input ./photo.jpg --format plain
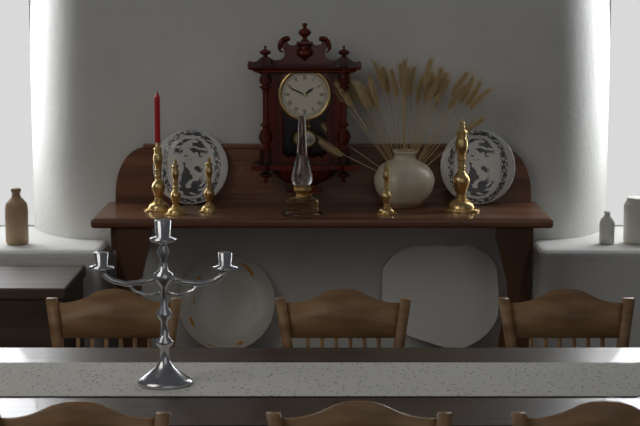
1:49
